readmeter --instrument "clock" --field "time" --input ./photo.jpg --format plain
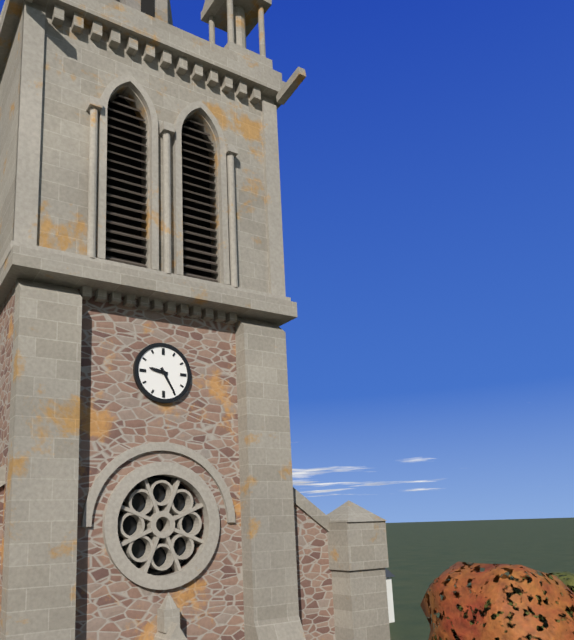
9:25
